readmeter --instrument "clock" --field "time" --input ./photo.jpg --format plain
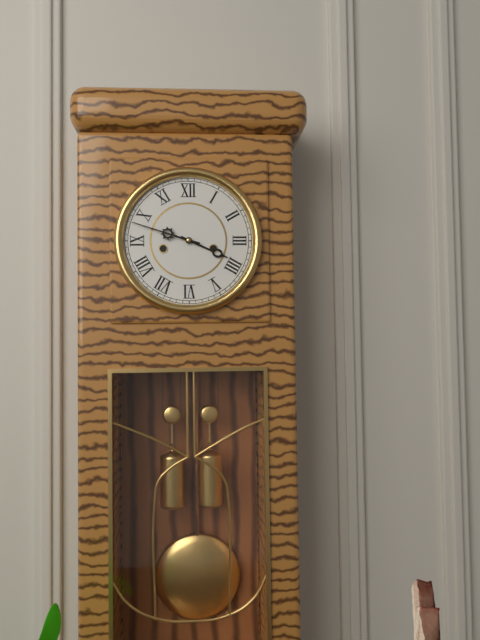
3:48
